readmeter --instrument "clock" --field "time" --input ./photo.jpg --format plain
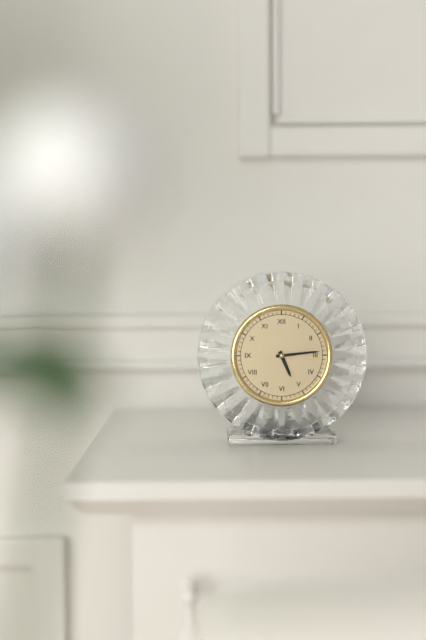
5:14
